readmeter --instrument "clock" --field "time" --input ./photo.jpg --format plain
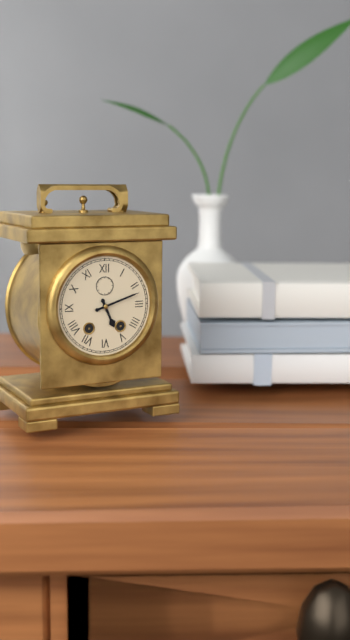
5:12
